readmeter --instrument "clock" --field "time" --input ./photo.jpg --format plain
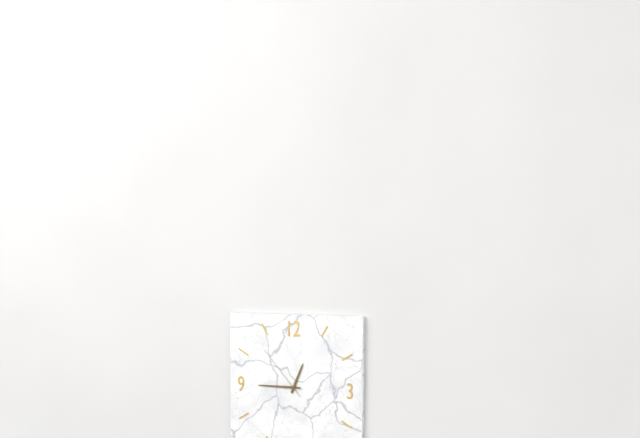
12:45:53
